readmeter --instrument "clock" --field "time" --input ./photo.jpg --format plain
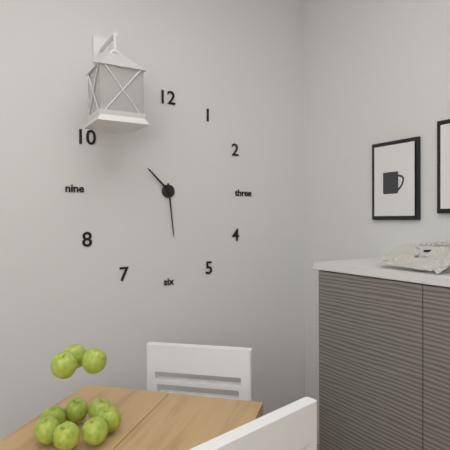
10:29
